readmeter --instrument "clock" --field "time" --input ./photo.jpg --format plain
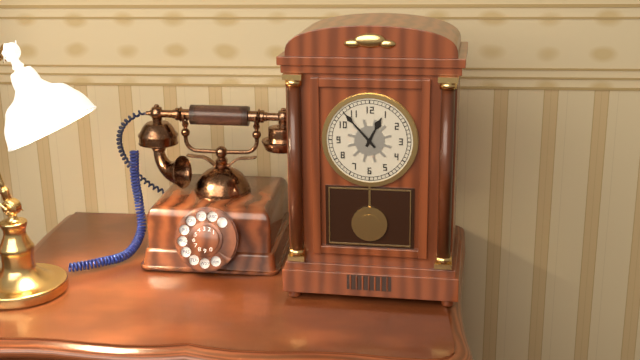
12:53
